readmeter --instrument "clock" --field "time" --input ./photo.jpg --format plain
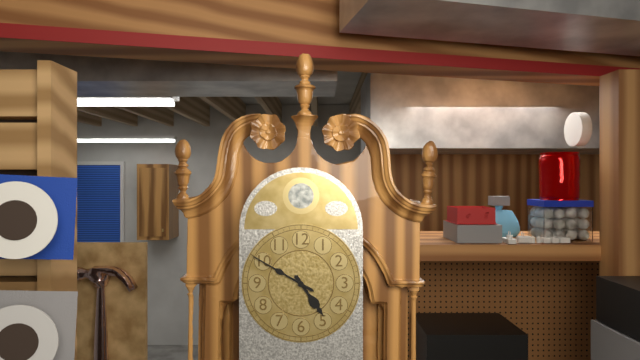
4:50
